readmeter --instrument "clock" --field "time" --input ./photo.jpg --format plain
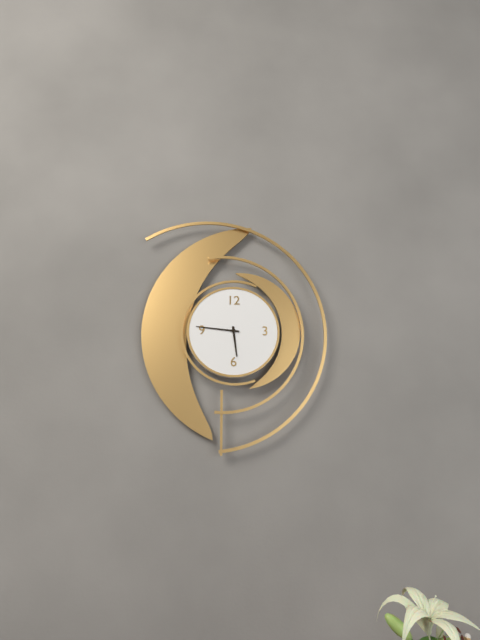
5:46
